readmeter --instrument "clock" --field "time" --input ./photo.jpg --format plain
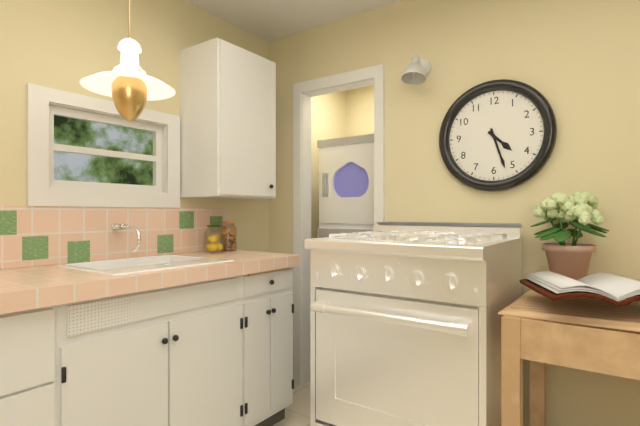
4:27
